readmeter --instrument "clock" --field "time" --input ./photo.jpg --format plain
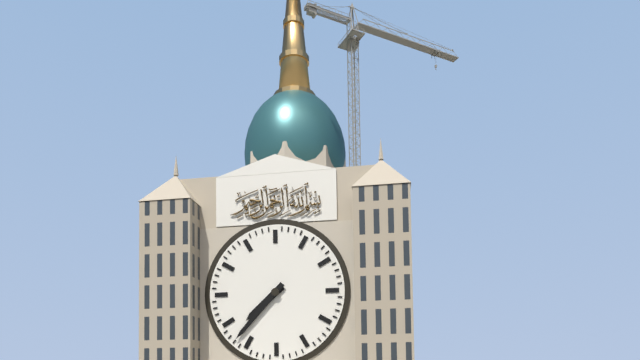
7:37
